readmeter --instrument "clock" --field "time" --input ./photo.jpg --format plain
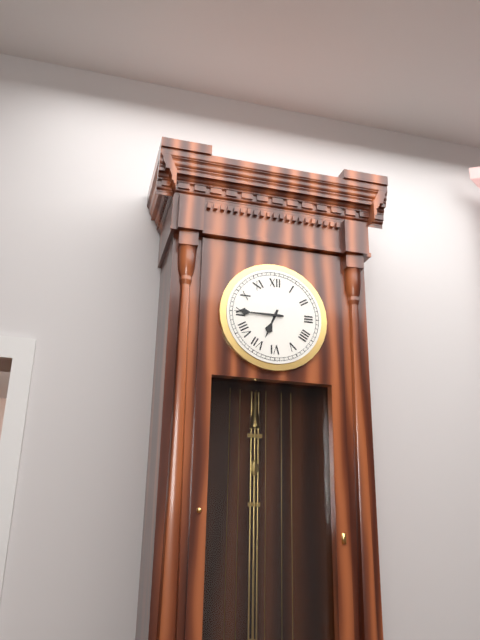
6:45
